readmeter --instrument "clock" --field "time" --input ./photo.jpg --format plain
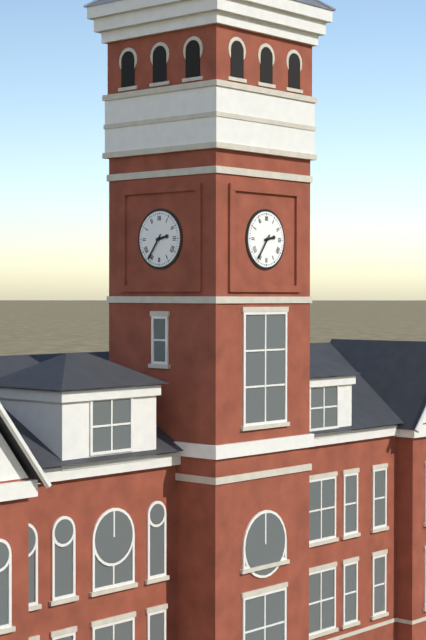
2:36
